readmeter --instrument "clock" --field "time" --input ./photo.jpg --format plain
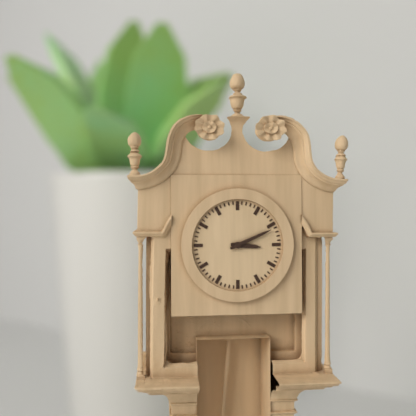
3:11
